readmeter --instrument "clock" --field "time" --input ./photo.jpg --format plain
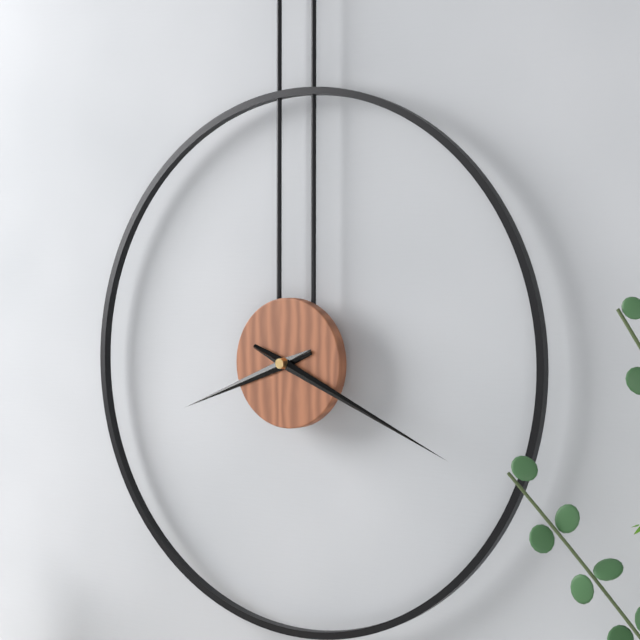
8:19
